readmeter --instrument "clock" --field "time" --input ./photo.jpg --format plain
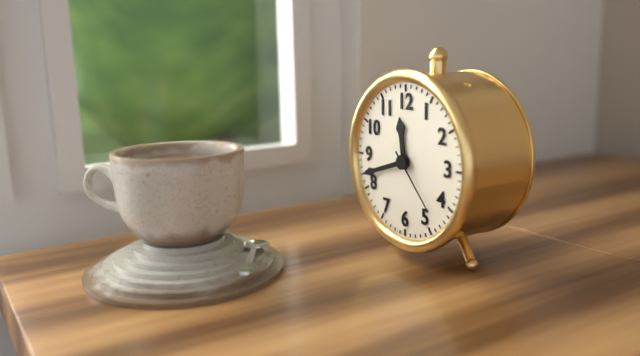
11:42:23
